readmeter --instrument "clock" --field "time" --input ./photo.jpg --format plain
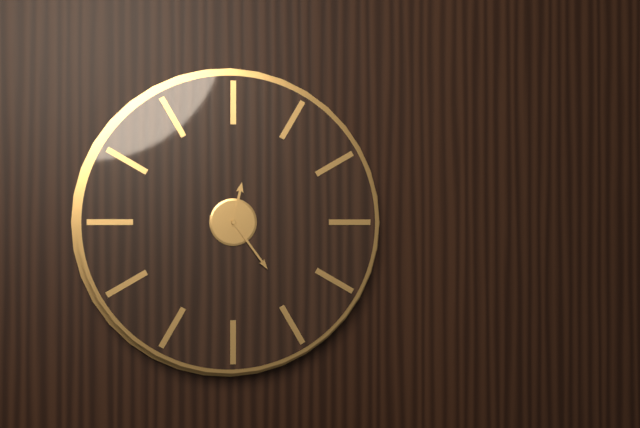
12:24
